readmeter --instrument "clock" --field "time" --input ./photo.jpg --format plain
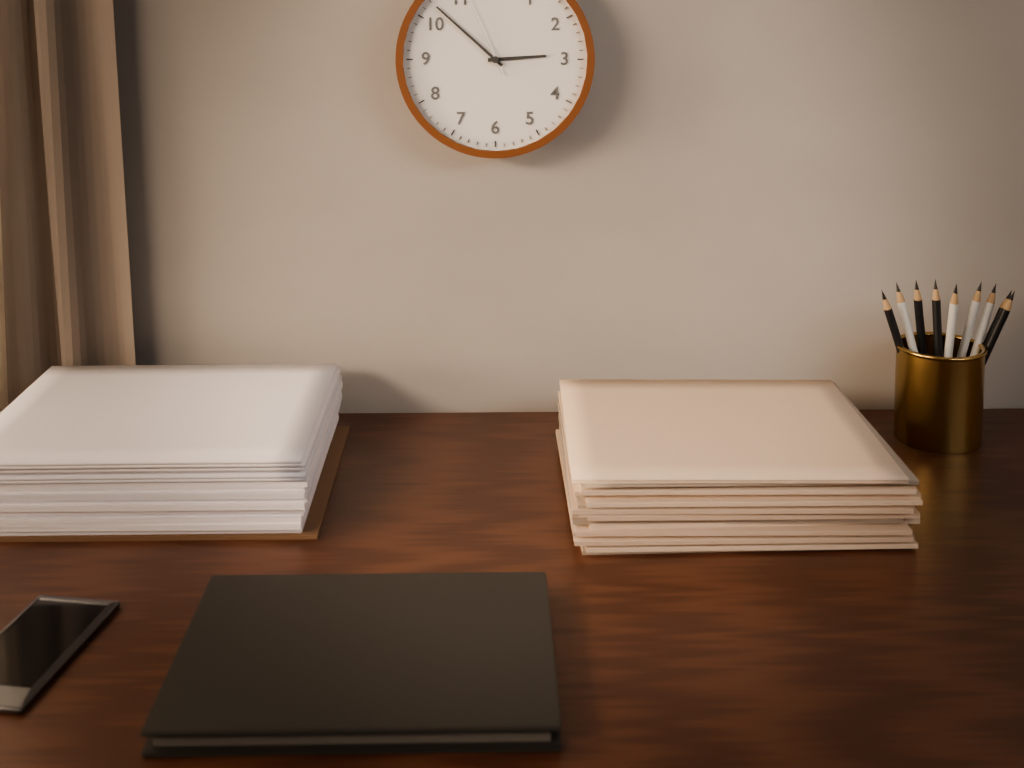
2:52
